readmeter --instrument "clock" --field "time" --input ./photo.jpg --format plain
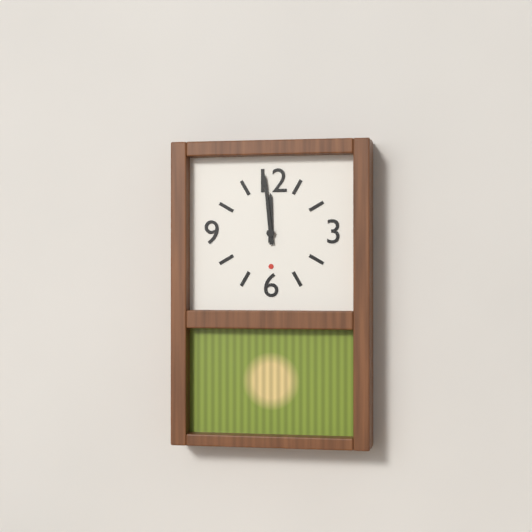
11:59
